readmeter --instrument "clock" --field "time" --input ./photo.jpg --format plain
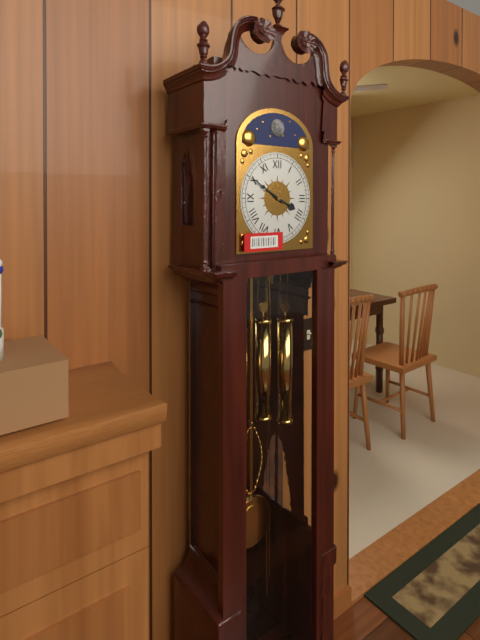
3:50
